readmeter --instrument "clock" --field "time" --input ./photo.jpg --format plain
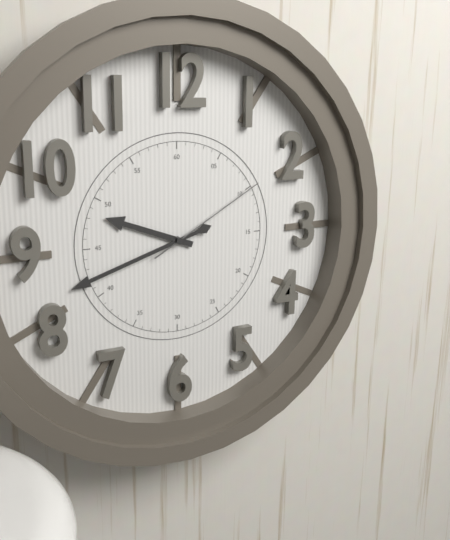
9:42:10
